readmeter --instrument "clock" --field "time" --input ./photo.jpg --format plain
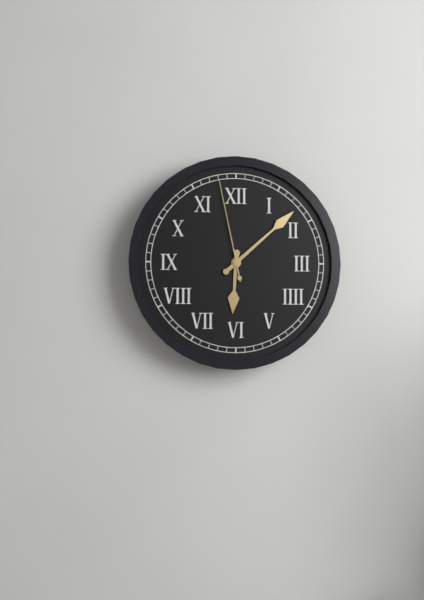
6:08:58
